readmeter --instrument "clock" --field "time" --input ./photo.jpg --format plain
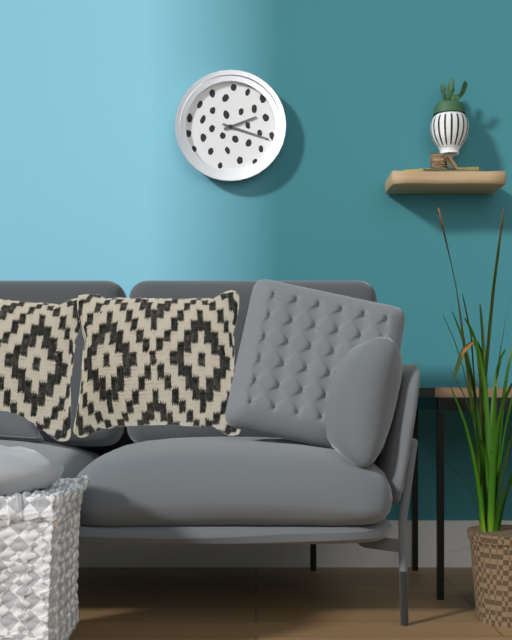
2:18
